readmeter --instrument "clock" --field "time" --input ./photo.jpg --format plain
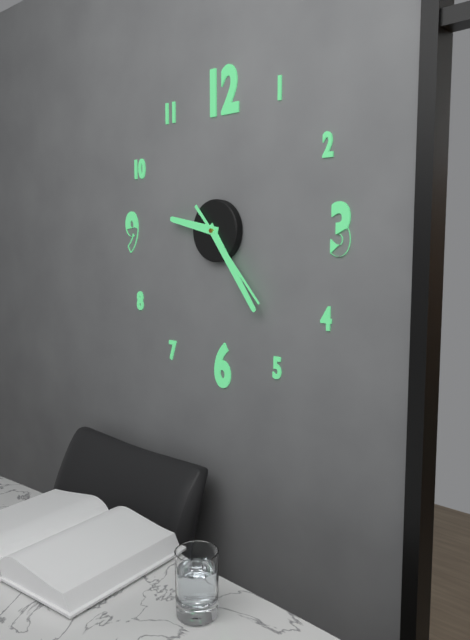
9:24:23
